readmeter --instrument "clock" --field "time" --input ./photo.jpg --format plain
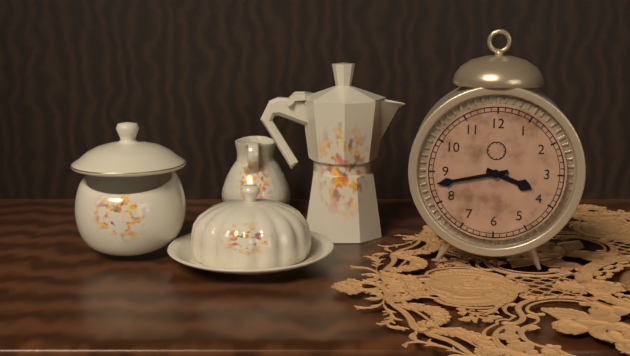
3:43
